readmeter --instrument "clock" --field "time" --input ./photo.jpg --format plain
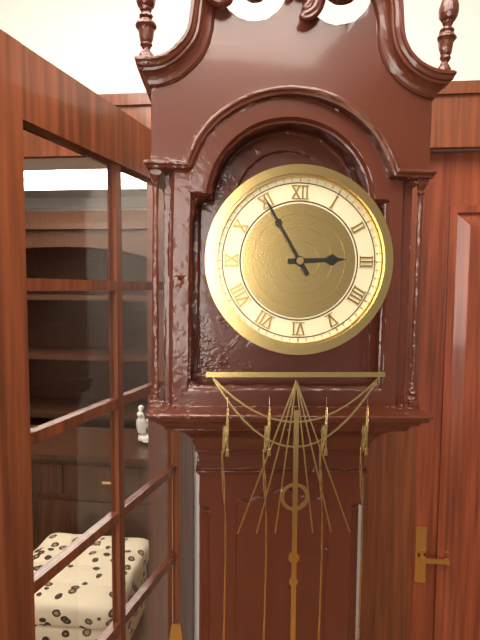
2:55
